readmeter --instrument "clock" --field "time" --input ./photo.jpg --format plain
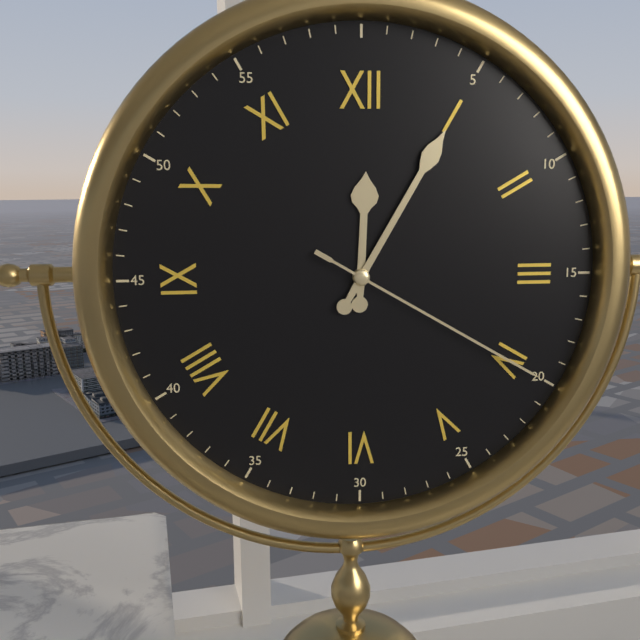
12:05:20
